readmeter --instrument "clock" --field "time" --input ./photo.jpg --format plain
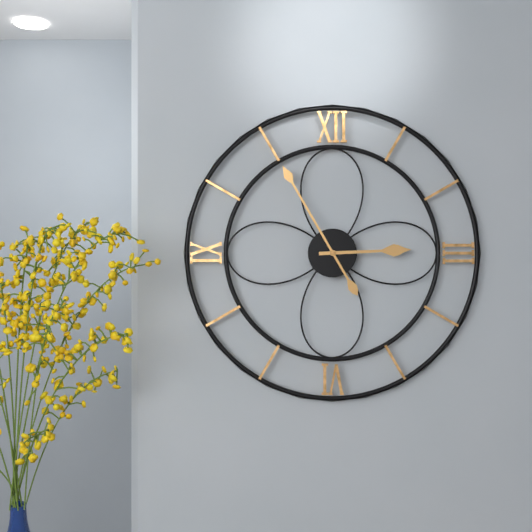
2:55
